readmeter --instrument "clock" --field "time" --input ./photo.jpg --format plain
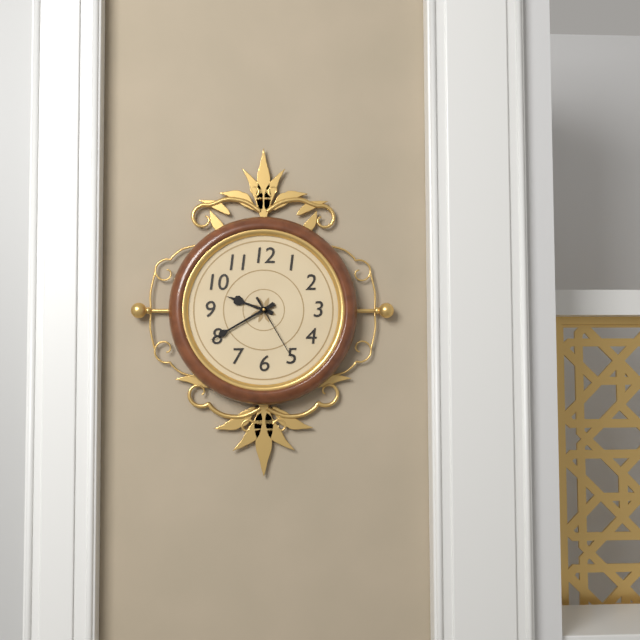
9:40:25
